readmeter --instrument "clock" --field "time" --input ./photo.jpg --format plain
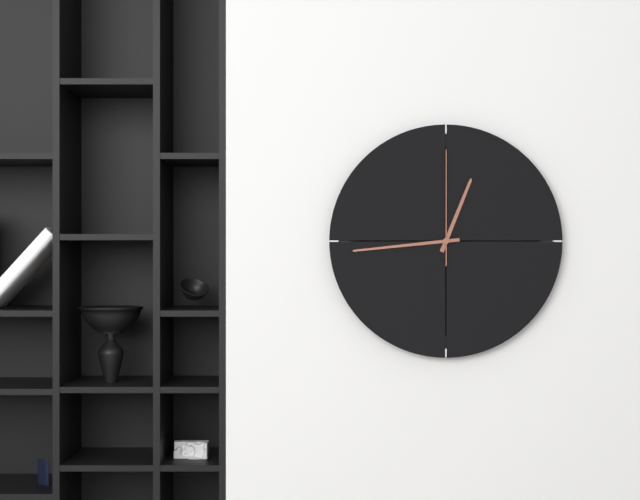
12:44:00
